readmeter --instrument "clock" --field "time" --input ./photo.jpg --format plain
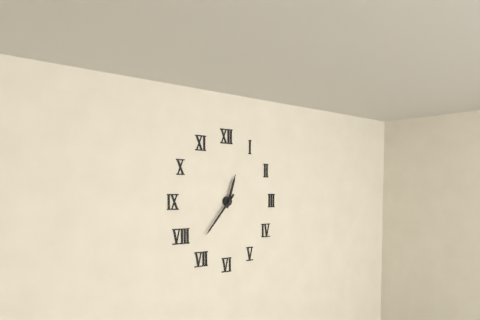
12:37
